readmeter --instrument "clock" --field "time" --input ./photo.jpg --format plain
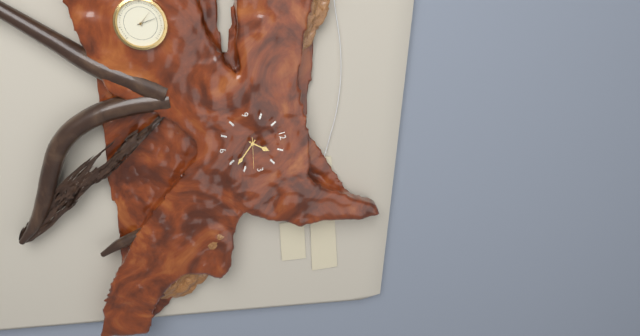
1:23
